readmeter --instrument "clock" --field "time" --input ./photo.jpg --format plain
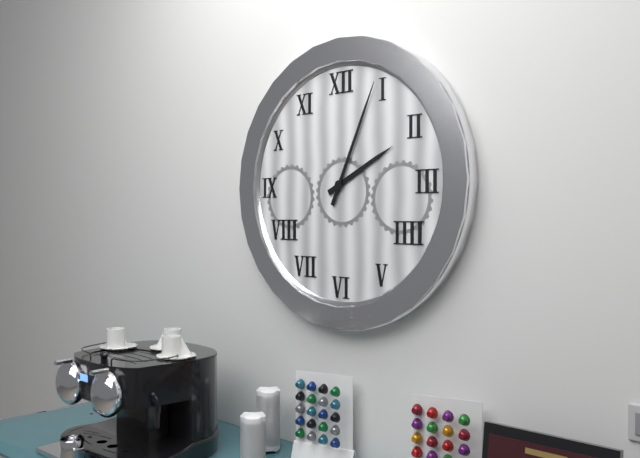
2:04
